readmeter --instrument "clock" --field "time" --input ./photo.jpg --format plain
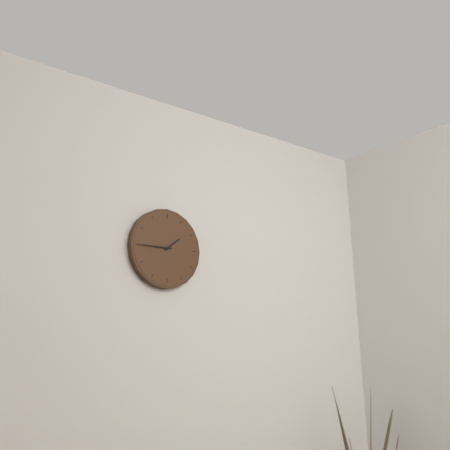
1:45
